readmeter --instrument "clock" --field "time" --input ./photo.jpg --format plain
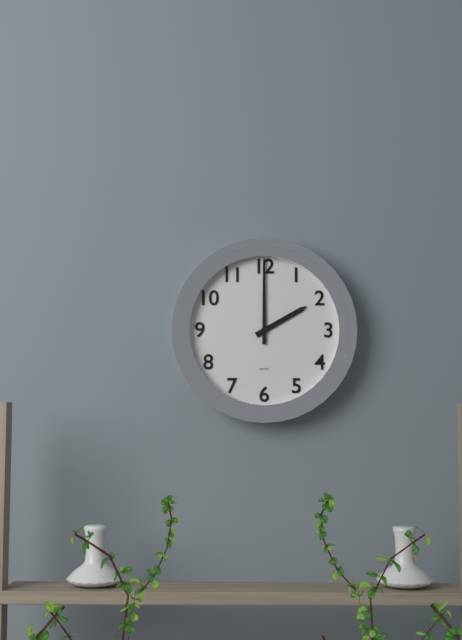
2:00
